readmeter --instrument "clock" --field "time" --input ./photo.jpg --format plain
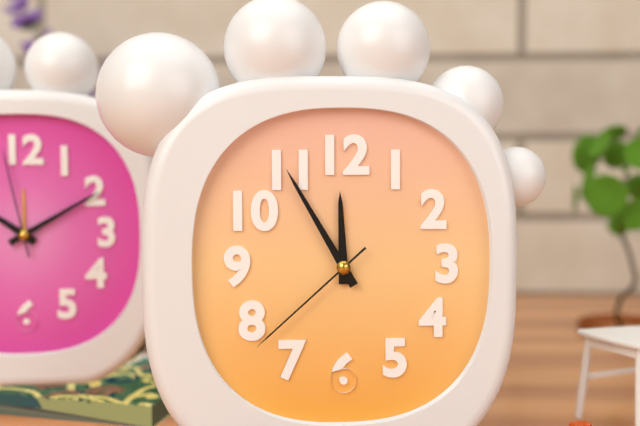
11:55:38
